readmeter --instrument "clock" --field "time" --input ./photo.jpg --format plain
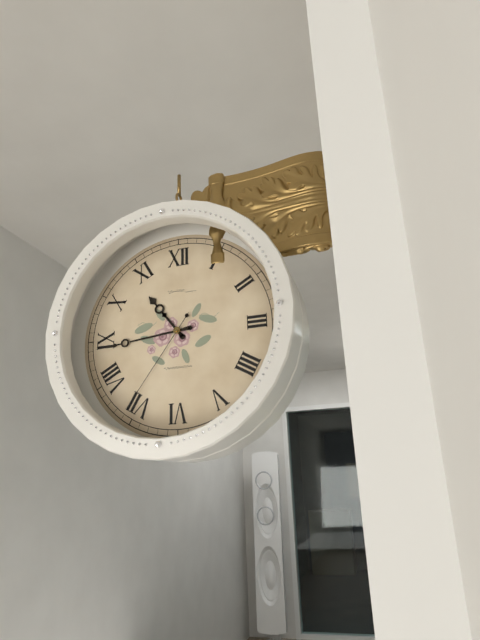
10:44:36
